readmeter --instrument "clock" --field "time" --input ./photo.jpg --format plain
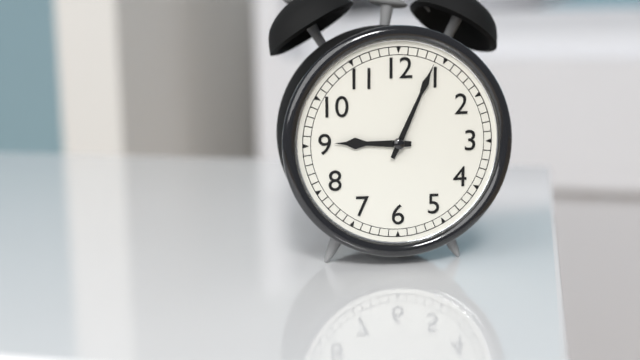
9:04
